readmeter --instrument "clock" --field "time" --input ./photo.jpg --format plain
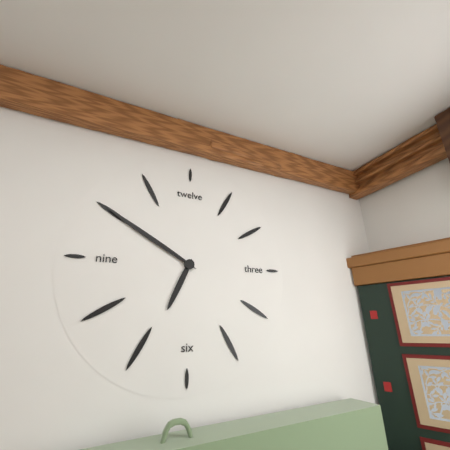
6:50
